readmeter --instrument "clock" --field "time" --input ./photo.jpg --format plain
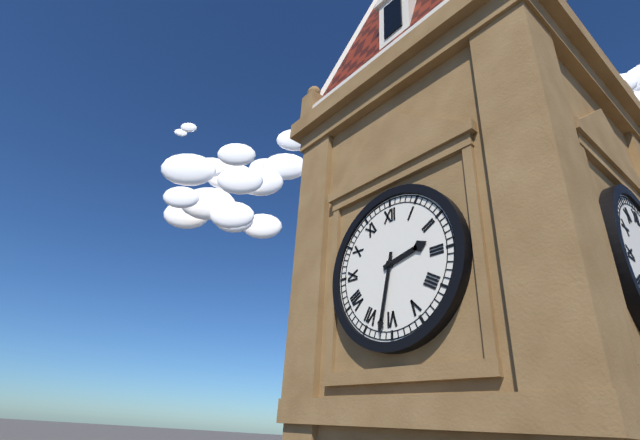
2:32
